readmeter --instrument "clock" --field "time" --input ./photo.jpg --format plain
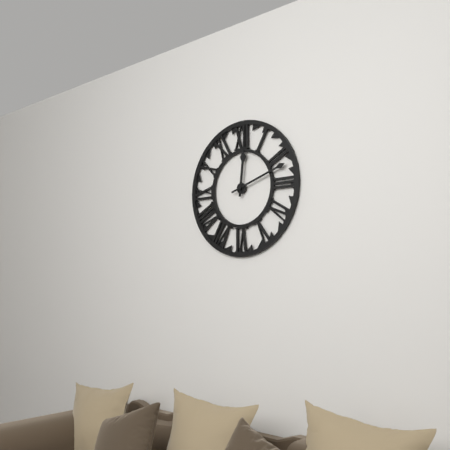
12:12
